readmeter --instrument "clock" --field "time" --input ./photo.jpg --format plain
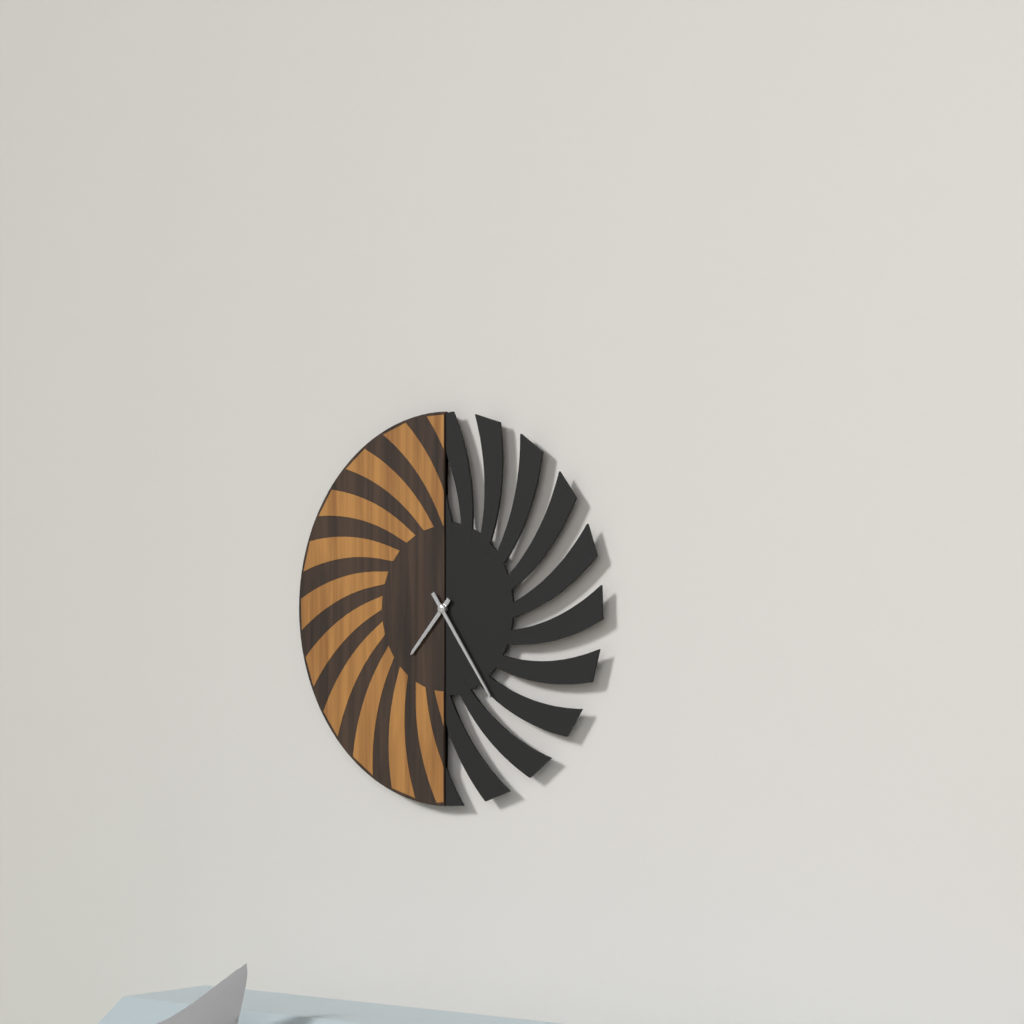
7:24
